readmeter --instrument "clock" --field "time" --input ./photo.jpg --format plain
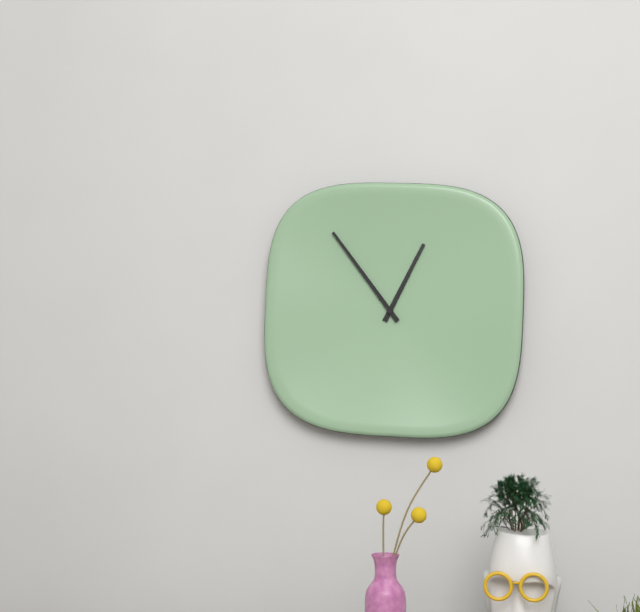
12:54
